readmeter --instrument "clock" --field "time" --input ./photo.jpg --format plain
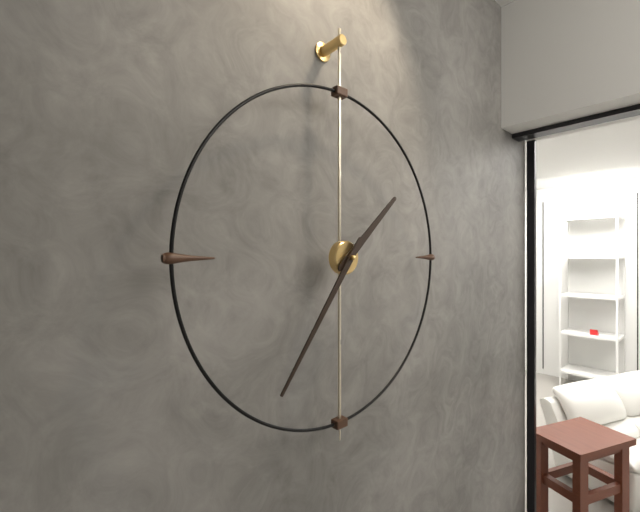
1:36
